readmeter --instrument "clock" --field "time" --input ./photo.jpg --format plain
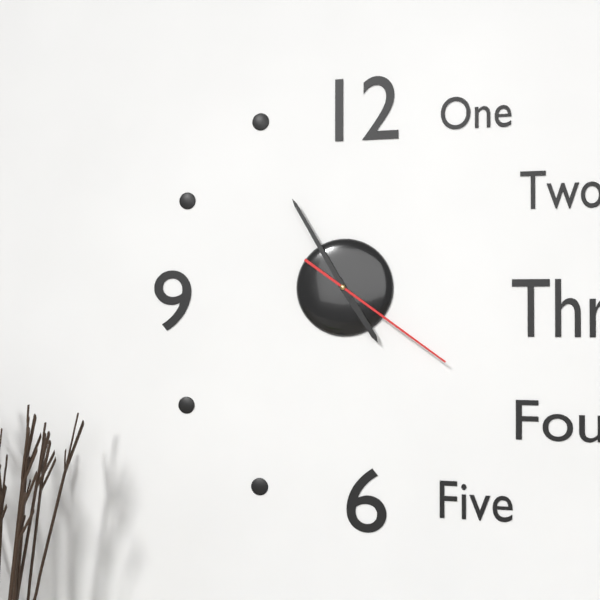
4:55:21
